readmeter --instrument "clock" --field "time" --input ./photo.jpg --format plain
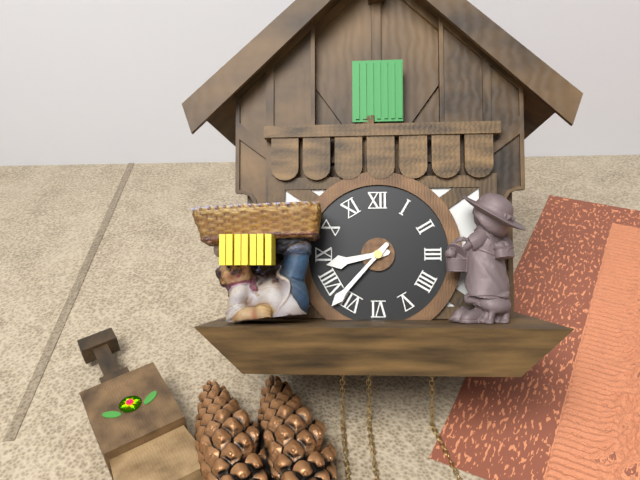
8:37
